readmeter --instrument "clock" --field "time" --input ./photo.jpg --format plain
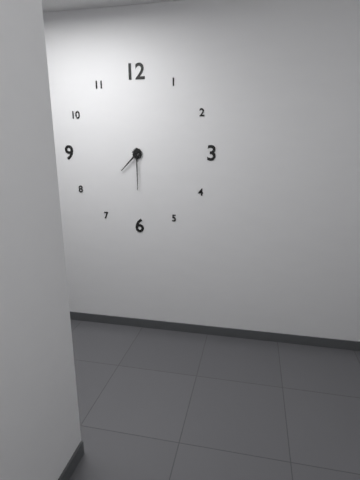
7:30
